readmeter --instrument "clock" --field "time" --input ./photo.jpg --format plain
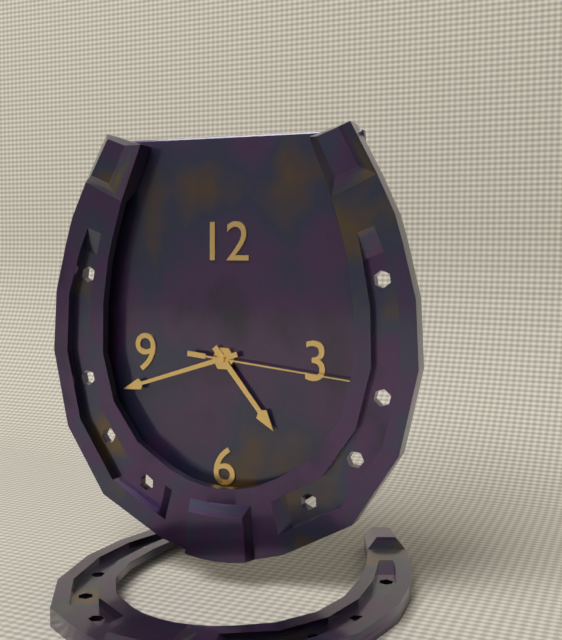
4:42:16
